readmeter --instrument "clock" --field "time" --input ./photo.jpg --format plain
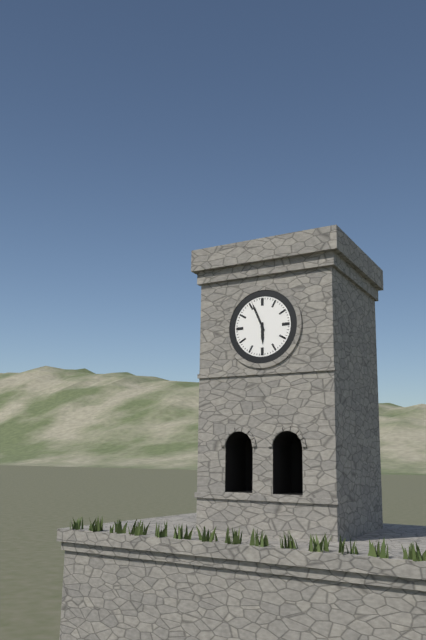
5:56
